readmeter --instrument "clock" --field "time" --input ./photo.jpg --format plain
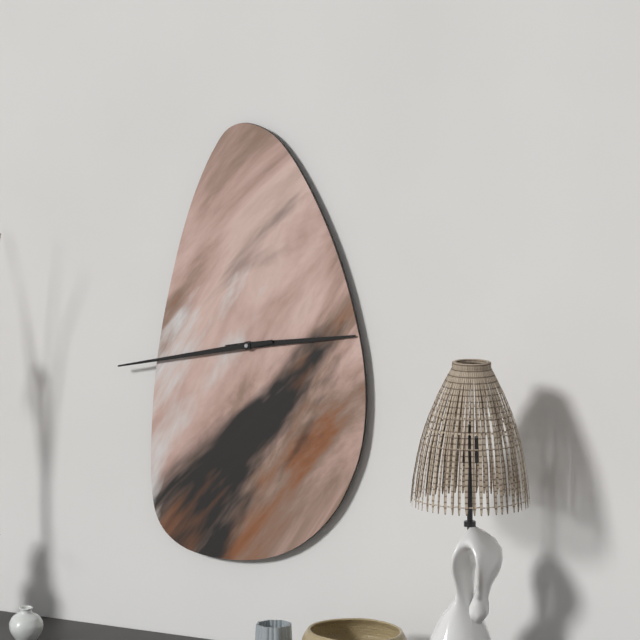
2:43
